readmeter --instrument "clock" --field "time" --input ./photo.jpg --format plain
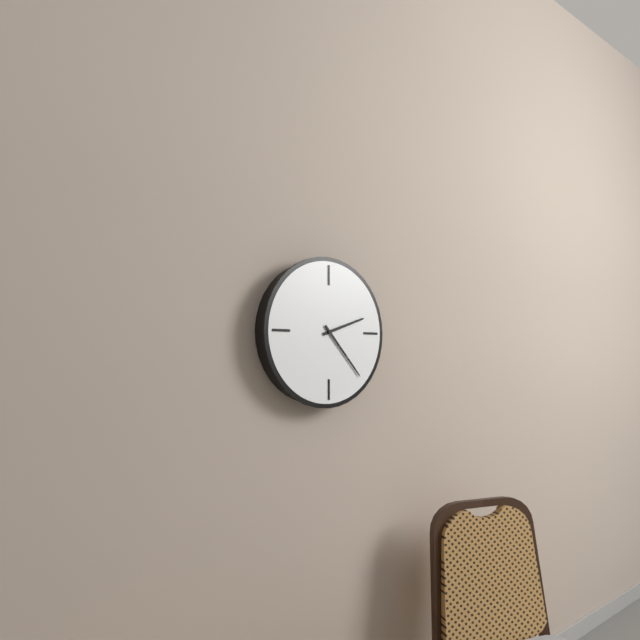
2:23
